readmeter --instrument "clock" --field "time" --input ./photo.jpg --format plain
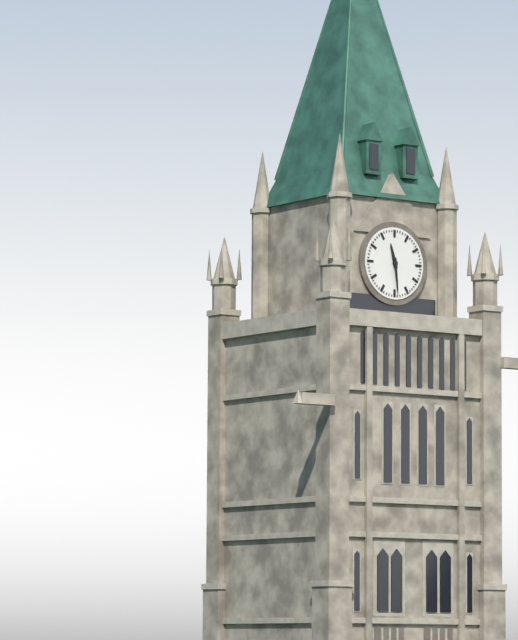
11:29
